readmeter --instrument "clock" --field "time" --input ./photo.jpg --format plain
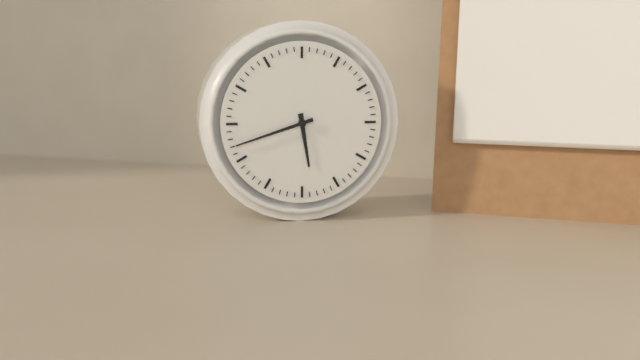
5:42
